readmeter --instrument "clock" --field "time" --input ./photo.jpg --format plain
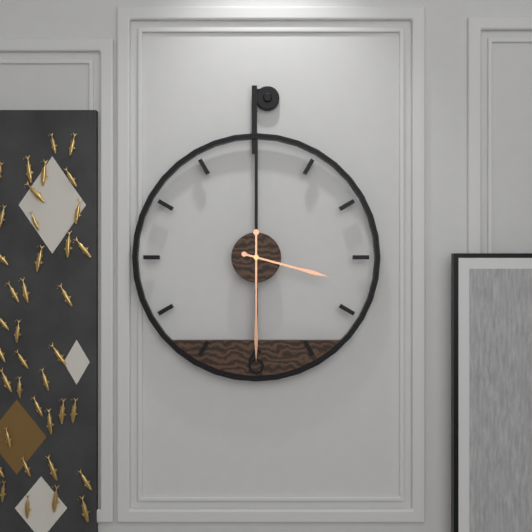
3:30
